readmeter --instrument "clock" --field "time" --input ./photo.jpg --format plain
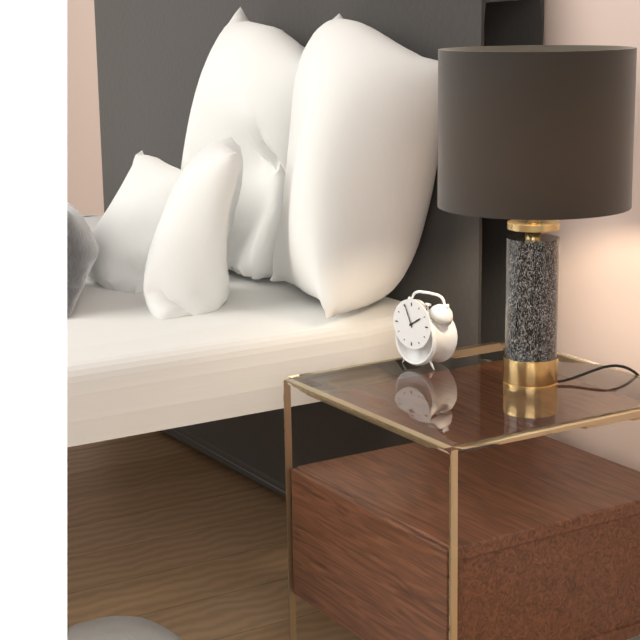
1:56
